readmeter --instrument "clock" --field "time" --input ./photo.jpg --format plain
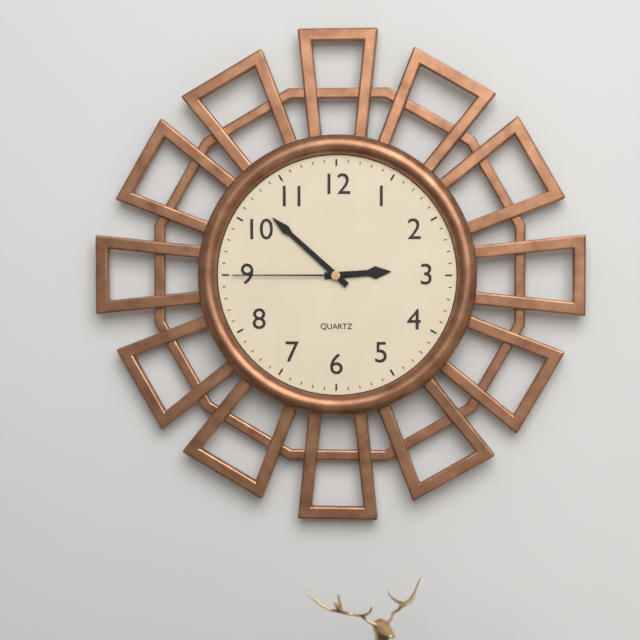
2:52:45
